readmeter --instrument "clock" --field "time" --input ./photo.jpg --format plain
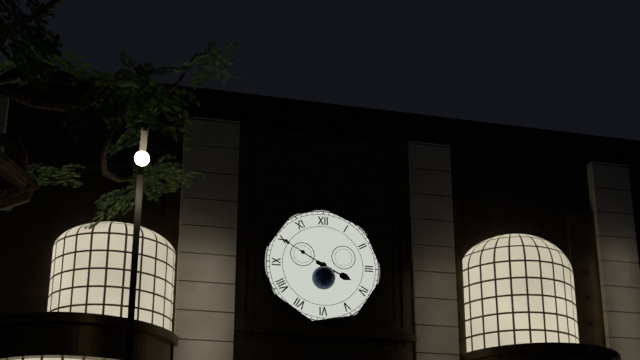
3:50
